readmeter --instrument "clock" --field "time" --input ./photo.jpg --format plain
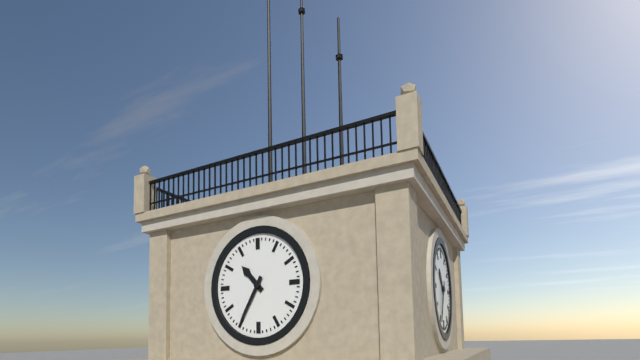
10:35
